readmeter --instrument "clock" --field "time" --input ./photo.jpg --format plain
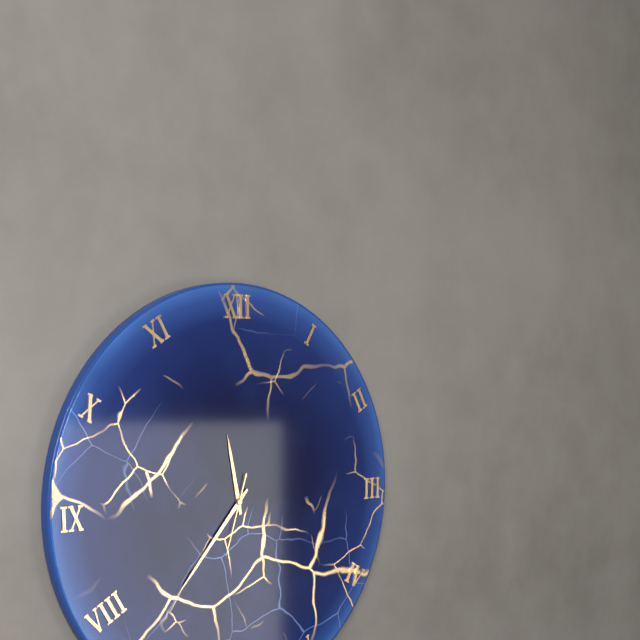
11:37:33
